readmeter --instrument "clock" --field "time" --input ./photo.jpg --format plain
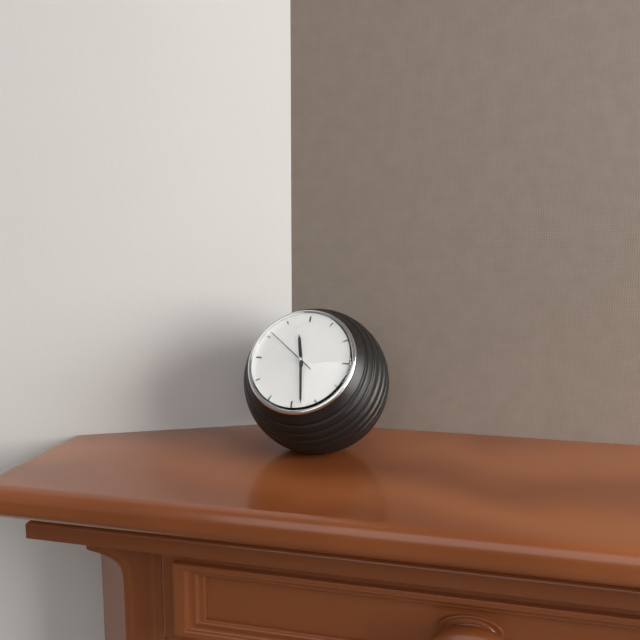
11:28:51
